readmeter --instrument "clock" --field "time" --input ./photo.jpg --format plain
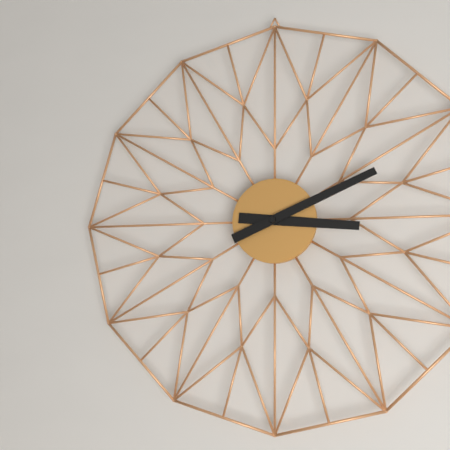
3:11
